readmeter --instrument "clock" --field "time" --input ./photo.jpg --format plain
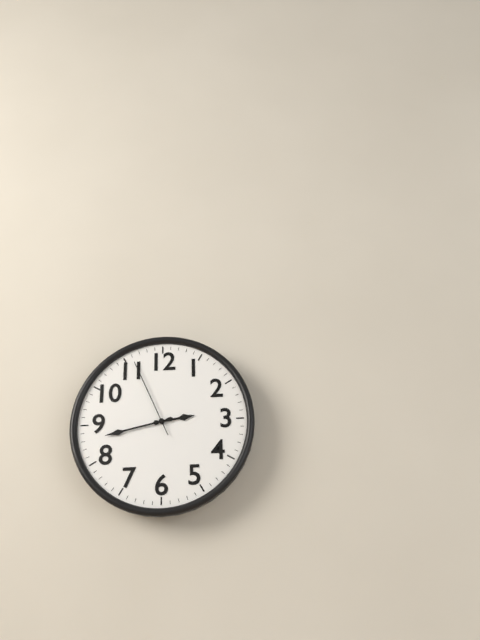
2:43:56
